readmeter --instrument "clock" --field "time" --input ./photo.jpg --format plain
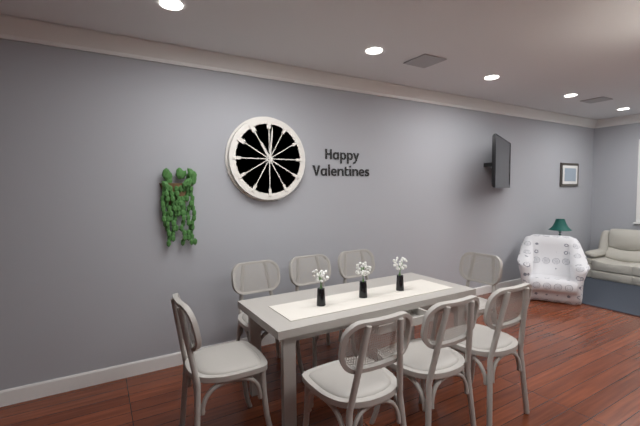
11:01
